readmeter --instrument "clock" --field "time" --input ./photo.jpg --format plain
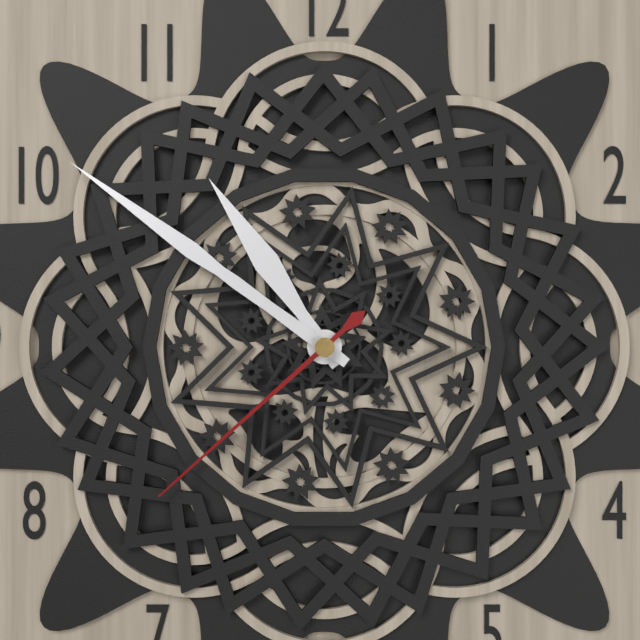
10:51:38
